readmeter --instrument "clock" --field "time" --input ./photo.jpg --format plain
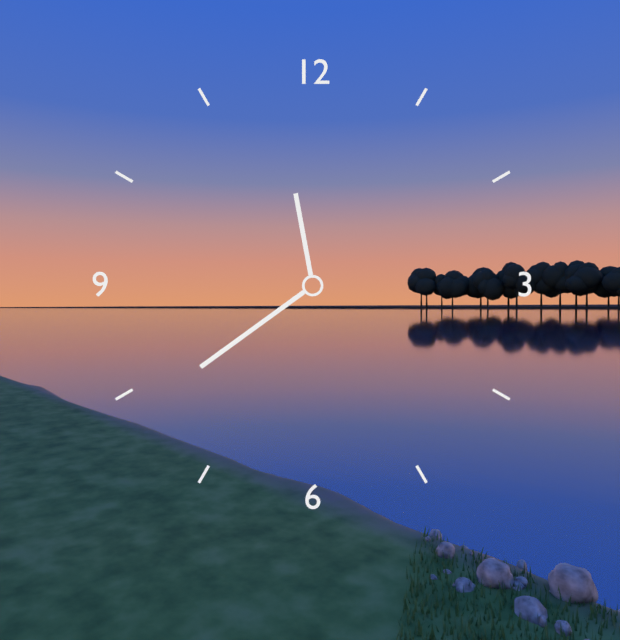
11:39
